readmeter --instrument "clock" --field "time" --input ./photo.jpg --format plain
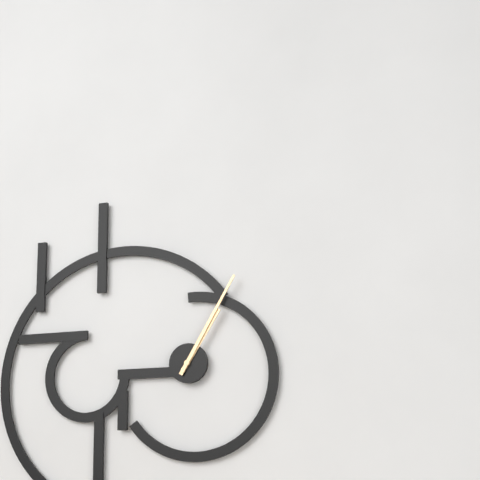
1:05
